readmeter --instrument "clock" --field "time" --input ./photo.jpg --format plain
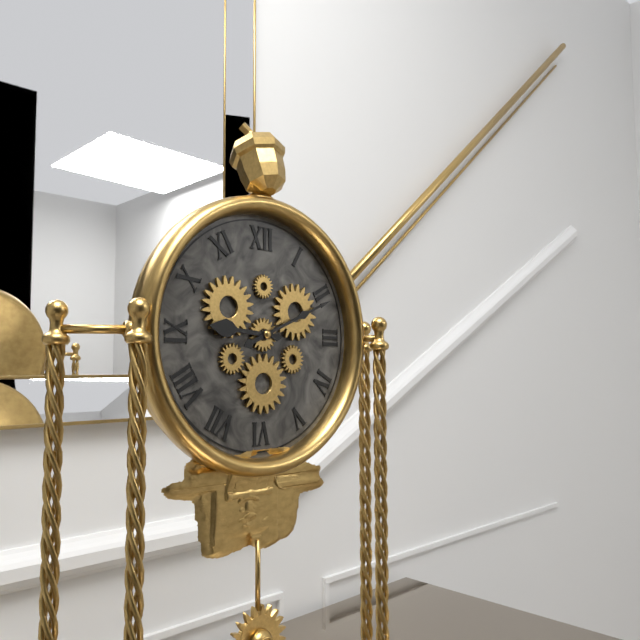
9:11
